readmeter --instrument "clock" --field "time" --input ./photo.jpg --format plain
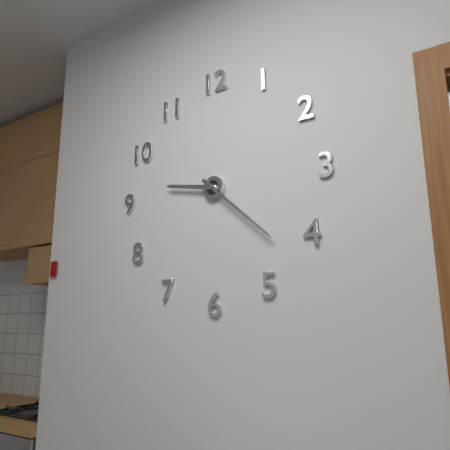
9:22
